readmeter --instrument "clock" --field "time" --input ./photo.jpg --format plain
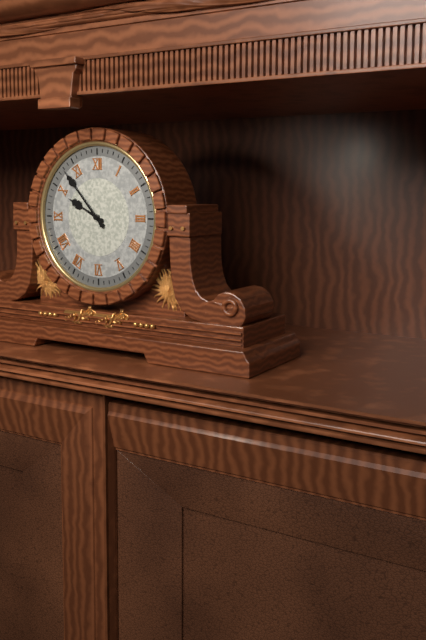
9:53
